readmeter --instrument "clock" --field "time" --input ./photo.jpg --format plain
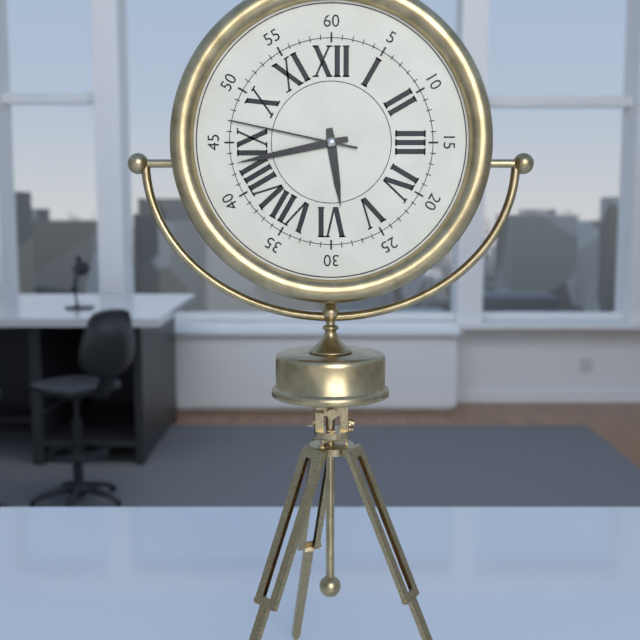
5:43:47
